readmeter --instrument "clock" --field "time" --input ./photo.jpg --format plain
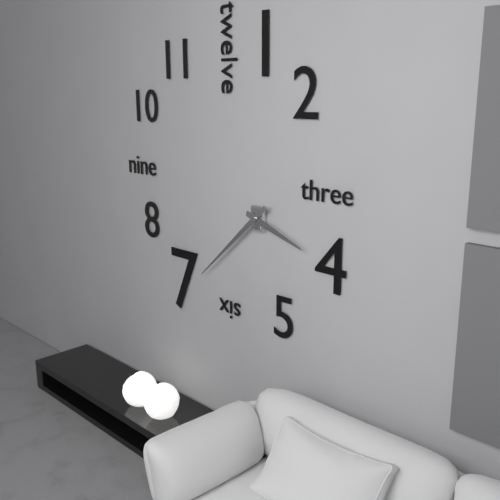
3:38
